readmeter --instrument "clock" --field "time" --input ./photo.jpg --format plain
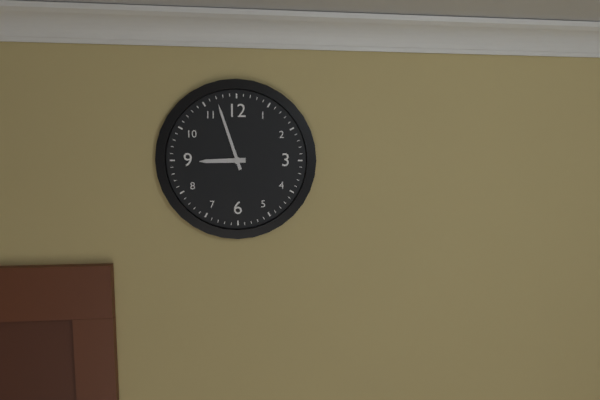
8:57
